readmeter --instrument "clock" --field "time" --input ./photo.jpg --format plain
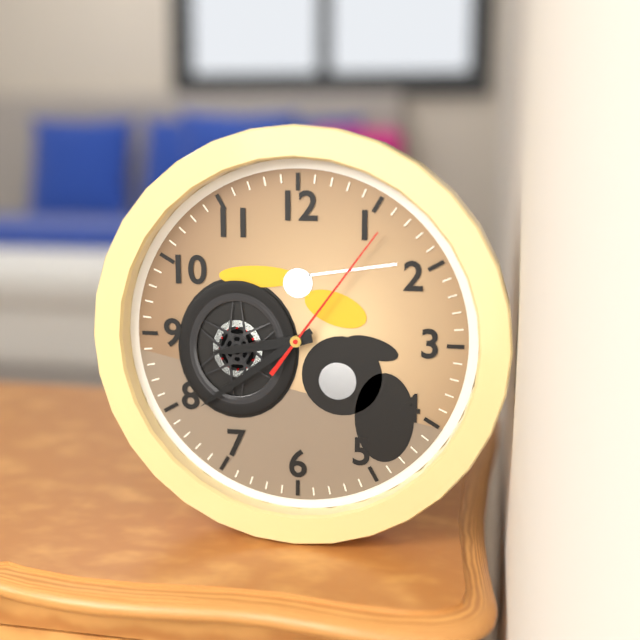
8:39:06
